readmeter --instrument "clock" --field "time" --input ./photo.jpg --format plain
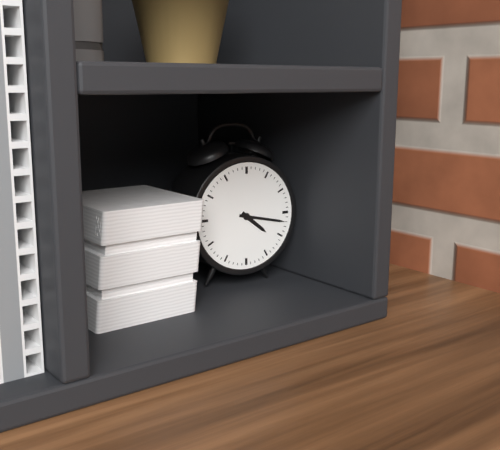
4:17
